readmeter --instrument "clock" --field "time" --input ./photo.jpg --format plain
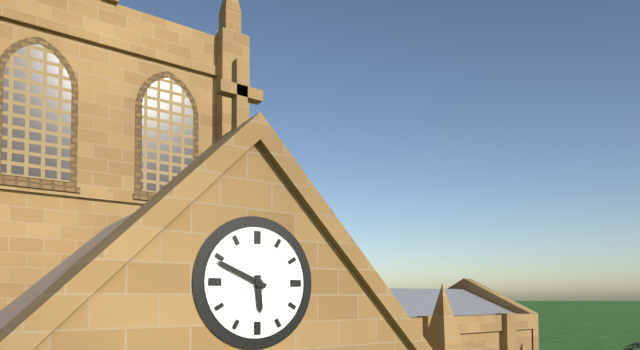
5:49
